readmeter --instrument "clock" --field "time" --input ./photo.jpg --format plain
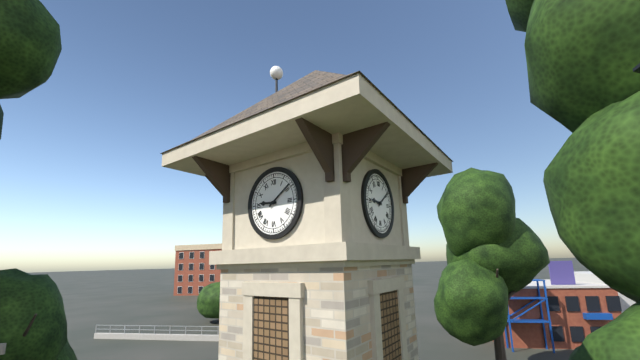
9:09
